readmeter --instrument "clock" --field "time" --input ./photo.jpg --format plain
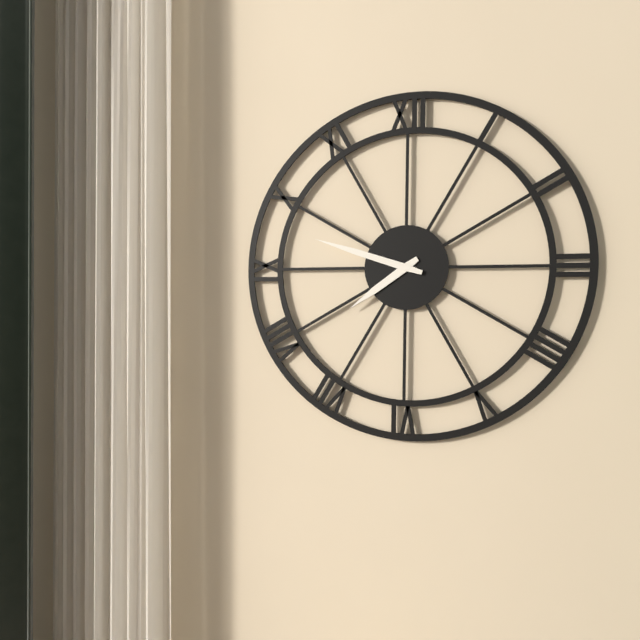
7:48
